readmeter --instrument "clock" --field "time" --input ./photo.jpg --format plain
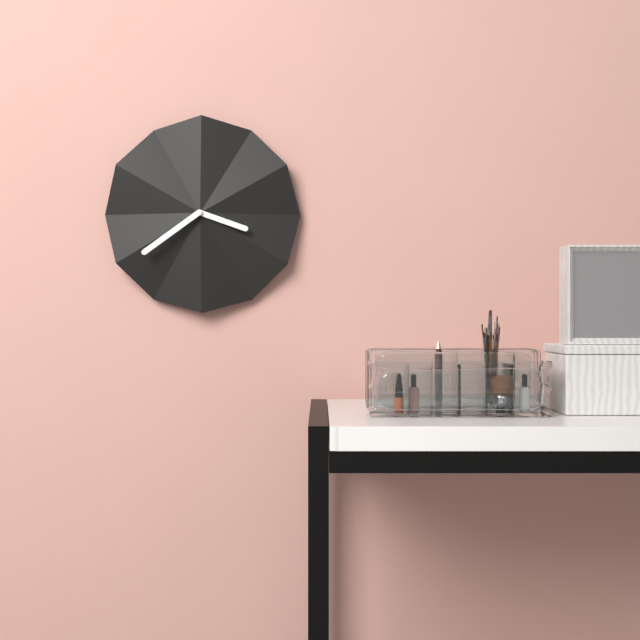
3:39
